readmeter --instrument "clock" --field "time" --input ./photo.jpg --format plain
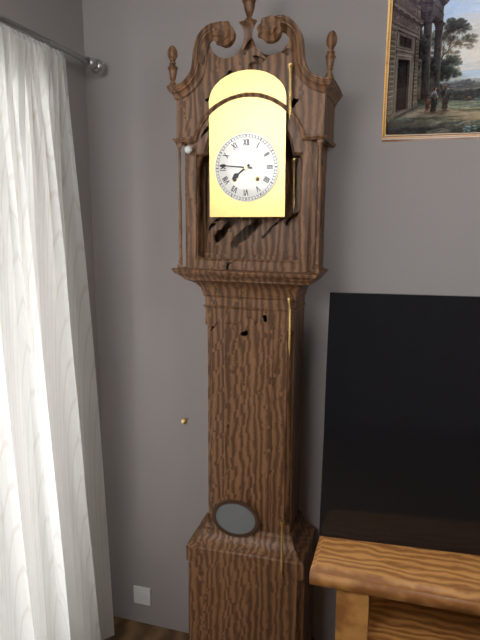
7:46
